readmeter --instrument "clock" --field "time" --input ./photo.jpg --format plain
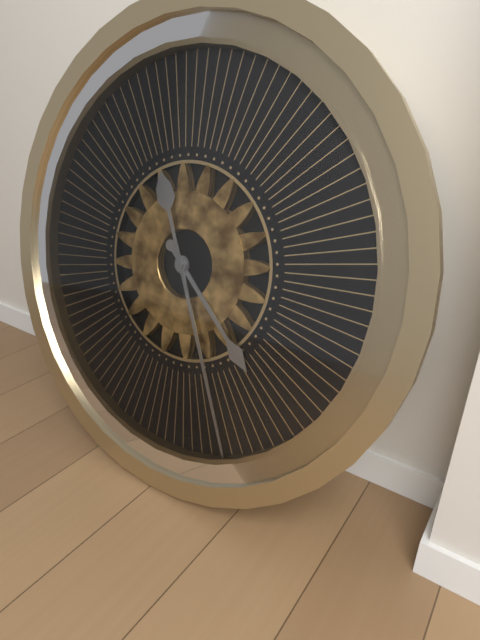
4:26
